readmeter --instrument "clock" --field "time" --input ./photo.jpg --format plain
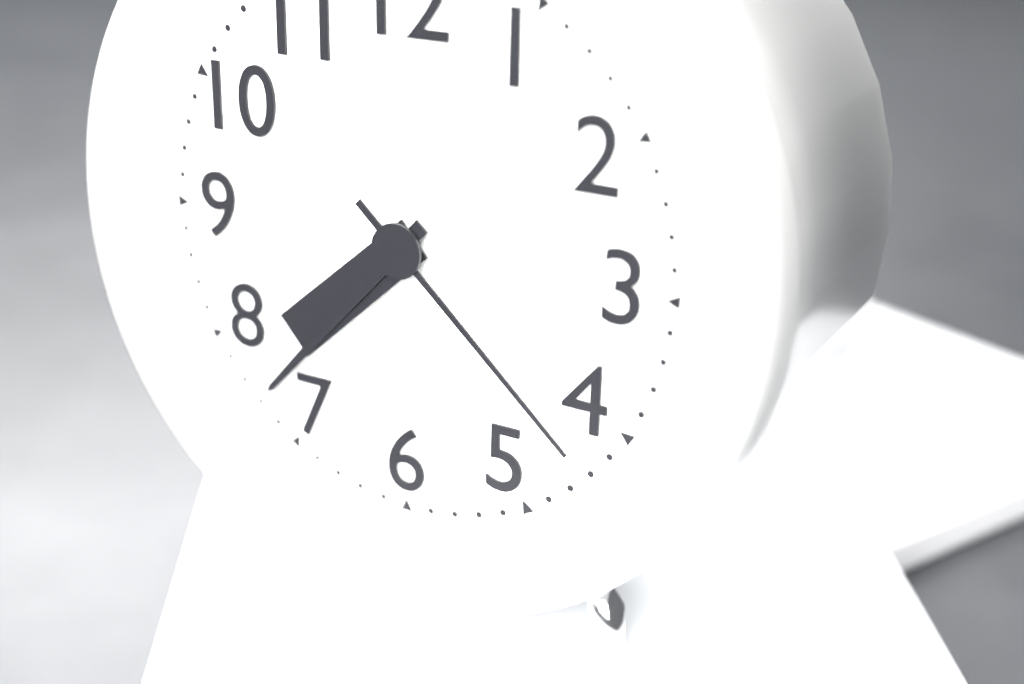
7:37:22
